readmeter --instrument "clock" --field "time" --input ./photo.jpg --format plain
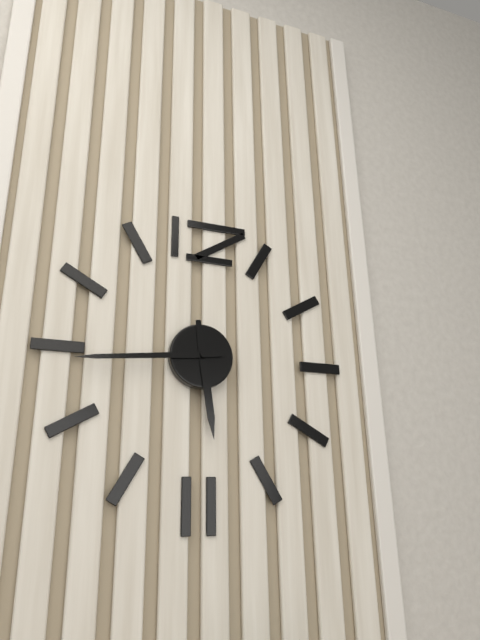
5:44
